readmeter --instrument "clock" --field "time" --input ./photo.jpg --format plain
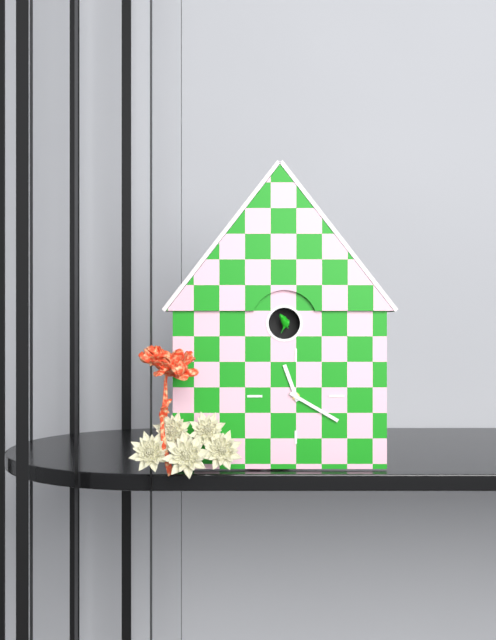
11:20
